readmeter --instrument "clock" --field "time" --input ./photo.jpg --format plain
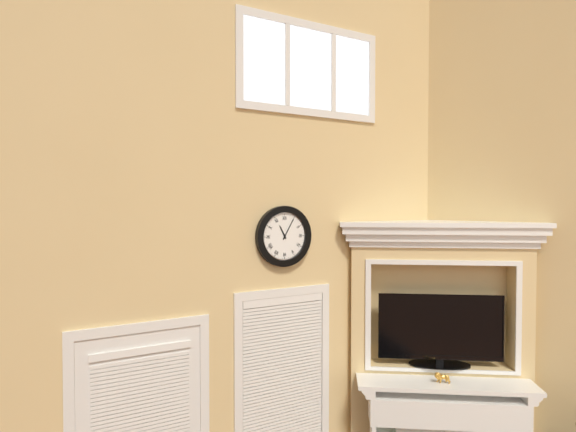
11:05
